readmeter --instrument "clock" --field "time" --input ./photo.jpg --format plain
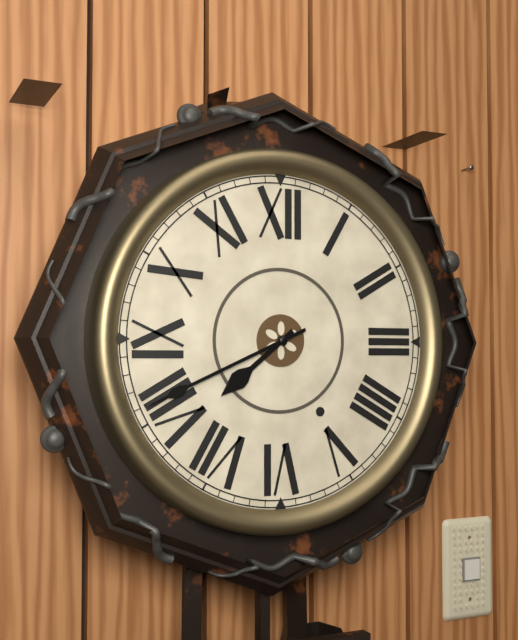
7:41
